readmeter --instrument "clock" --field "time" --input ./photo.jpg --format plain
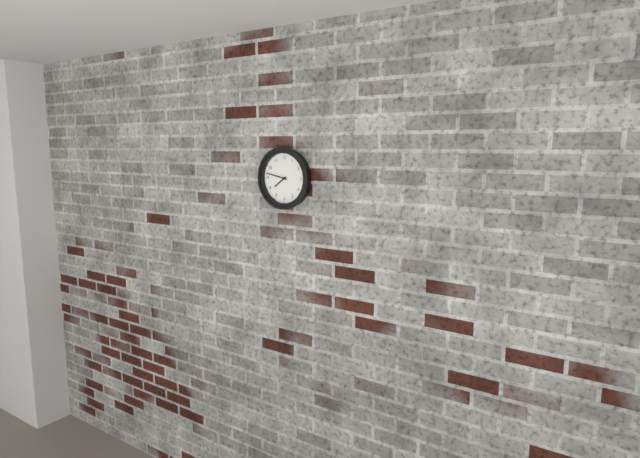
7:47
